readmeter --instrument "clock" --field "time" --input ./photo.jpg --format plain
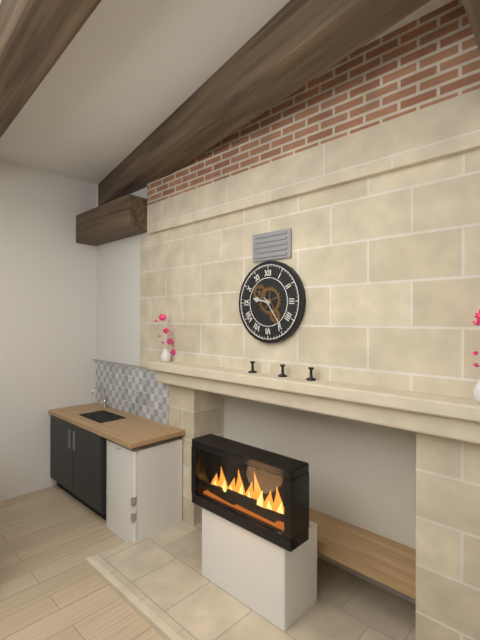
9:24
